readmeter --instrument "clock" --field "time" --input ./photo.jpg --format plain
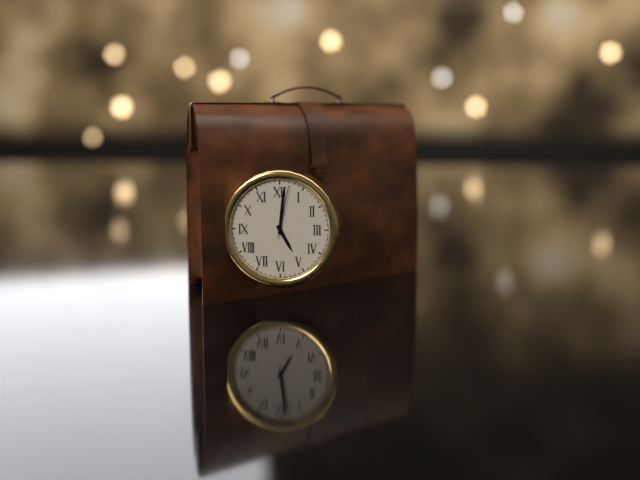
5:01:02
